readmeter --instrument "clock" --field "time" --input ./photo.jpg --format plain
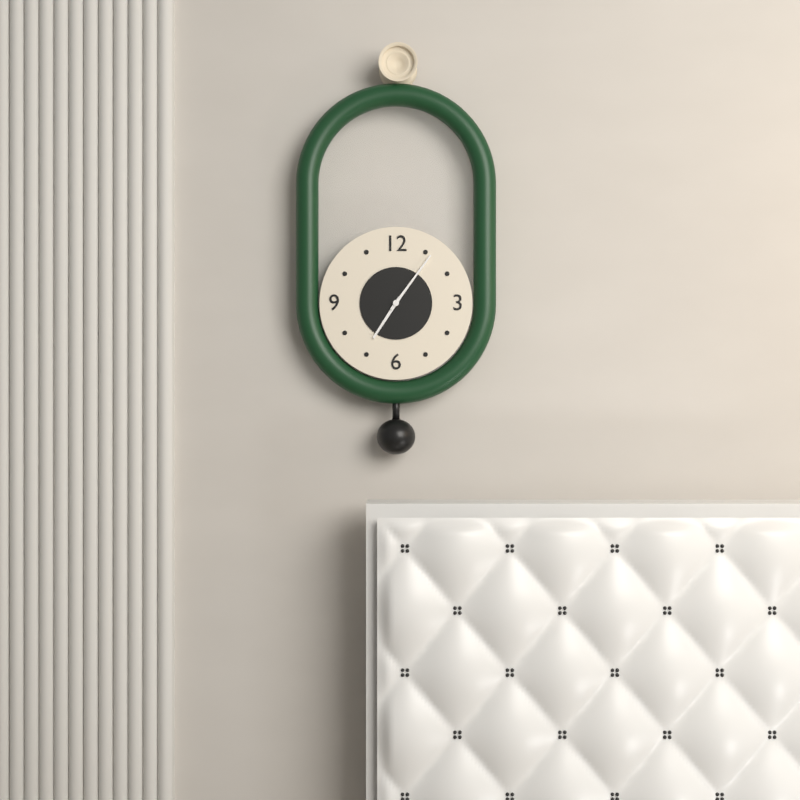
7:06
